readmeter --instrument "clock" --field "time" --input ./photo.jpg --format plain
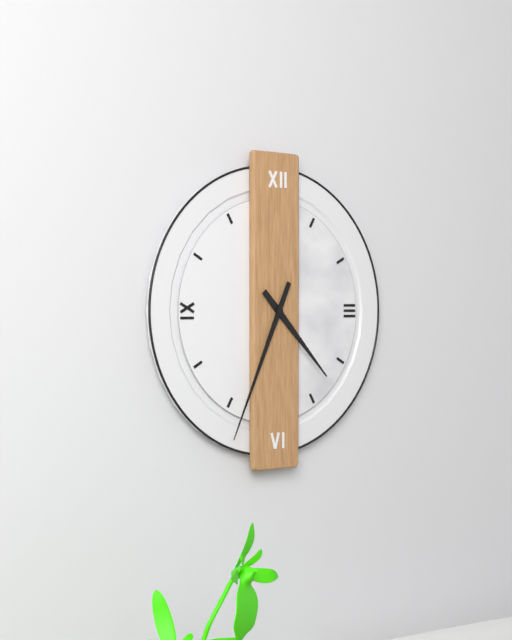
4:34
